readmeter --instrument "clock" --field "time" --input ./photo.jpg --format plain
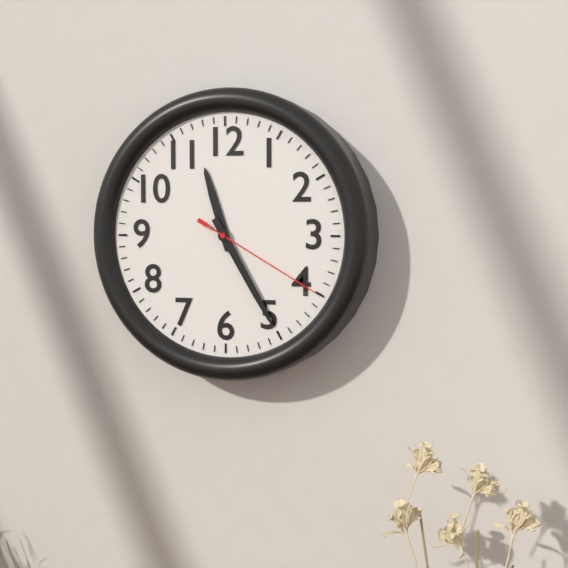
11:25:20
